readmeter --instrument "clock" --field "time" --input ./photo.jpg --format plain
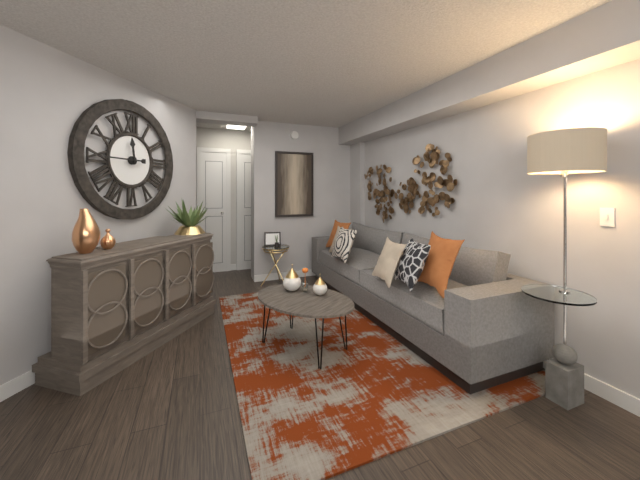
11:45
